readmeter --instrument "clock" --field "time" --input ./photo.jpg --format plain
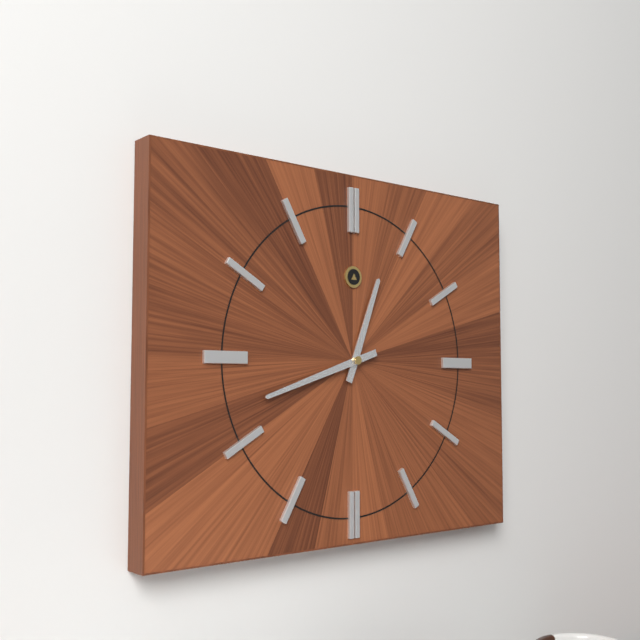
12:42
